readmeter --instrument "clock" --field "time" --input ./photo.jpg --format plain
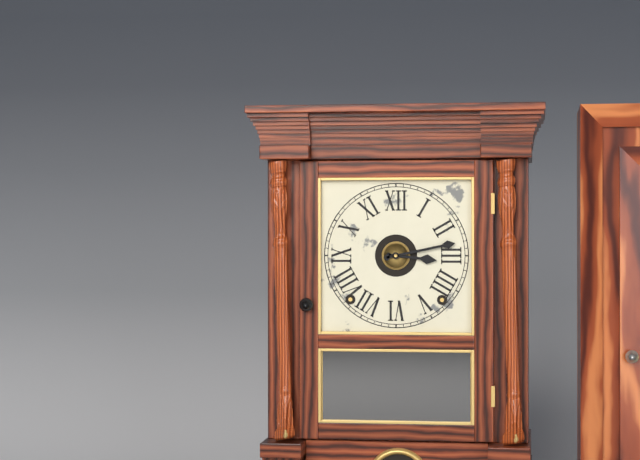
3:13
